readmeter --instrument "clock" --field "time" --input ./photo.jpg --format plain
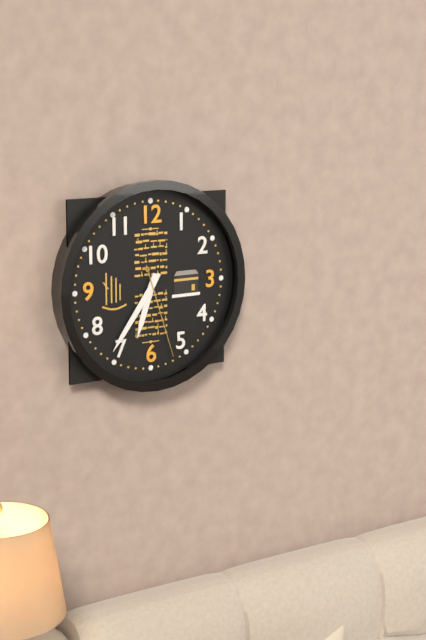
6:36:27
